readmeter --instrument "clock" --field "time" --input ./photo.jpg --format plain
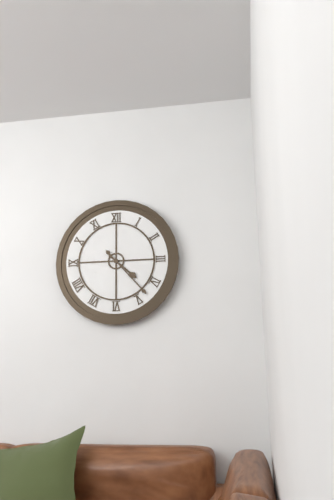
4:23
